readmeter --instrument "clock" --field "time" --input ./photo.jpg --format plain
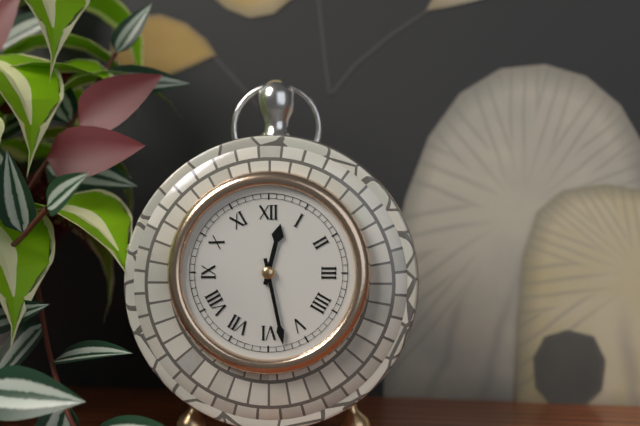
12:28
